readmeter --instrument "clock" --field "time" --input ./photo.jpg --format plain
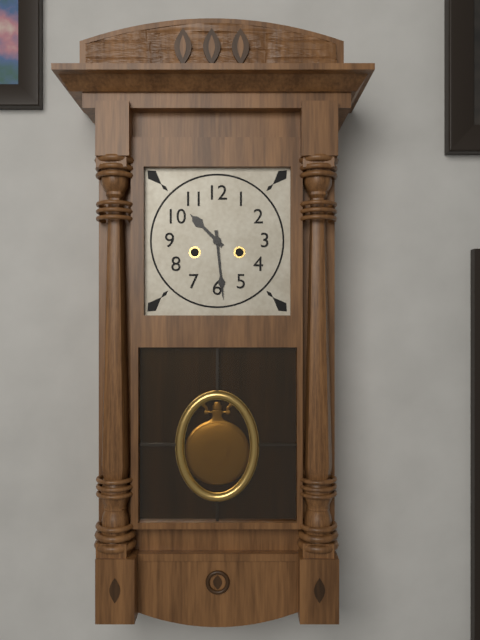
10:29
